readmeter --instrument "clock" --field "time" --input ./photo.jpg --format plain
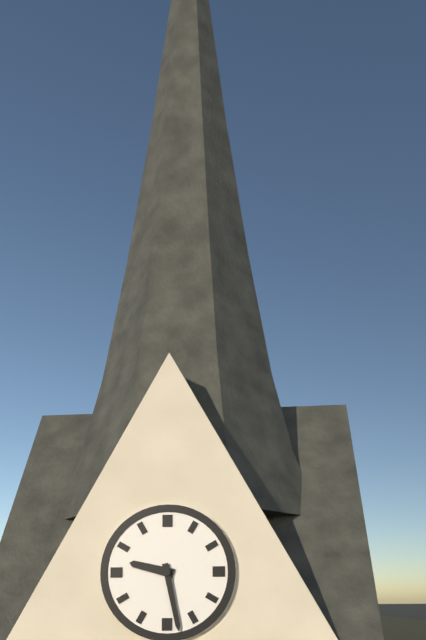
9:28
